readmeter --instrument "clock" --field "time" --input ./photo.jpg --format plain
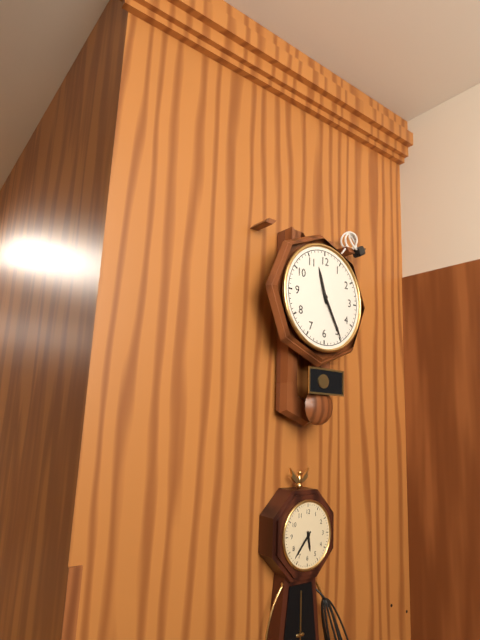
11:25
